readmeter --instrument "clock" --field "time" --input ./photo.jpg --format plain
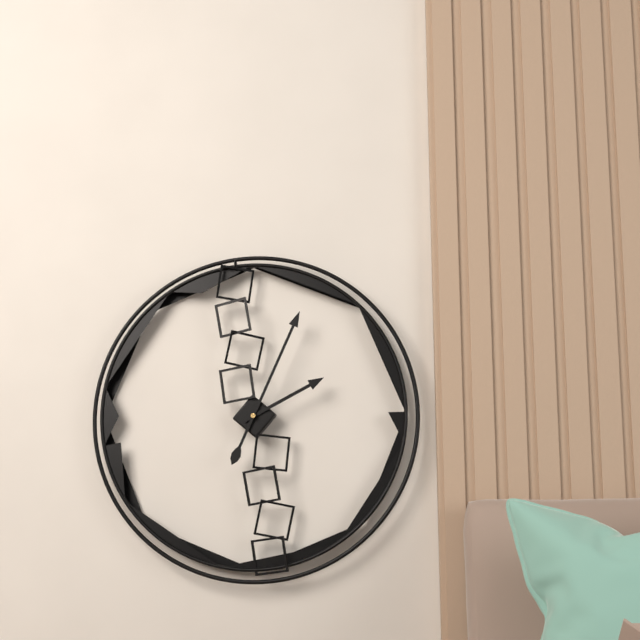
2:04
